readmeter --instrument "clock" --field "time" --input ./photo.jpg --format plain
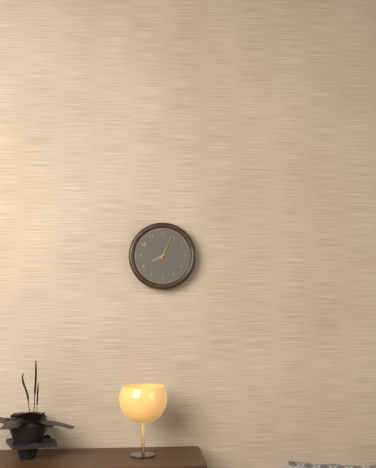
8:04
